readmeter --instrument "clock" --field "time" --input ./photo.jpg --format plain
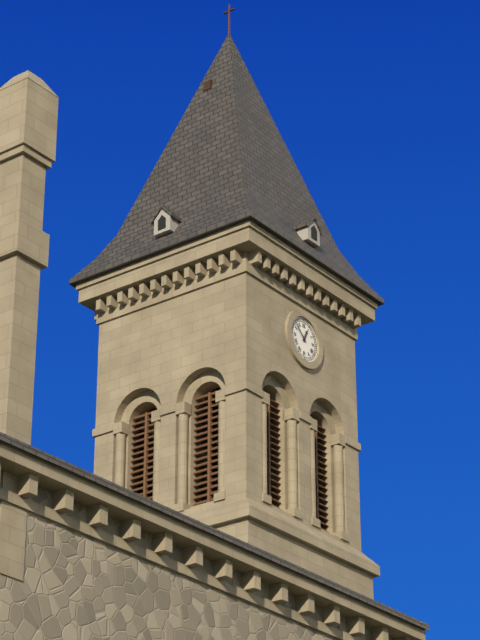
12:52
